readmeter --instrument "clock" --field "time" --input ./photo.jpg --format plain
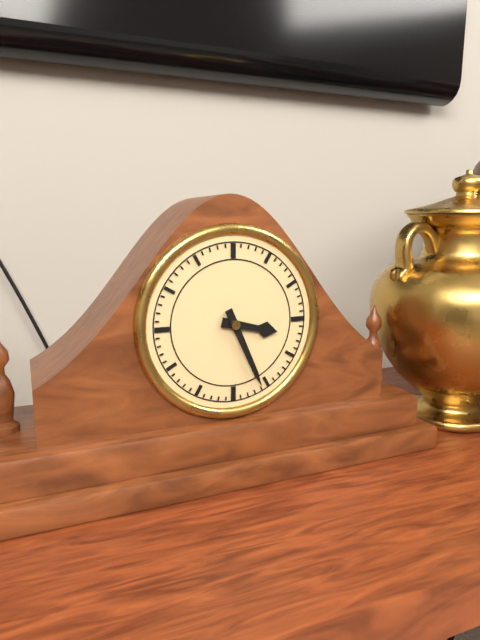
3:26
